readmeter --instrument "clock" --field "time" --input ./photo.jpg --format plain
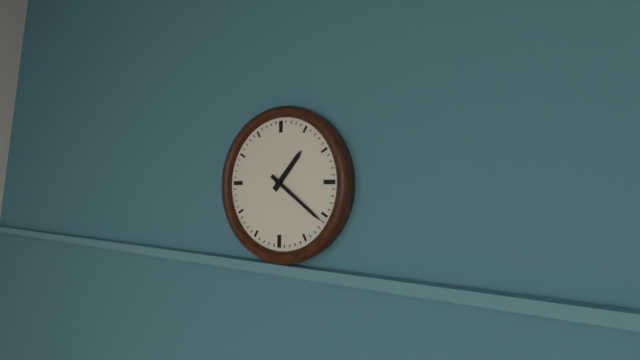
1:21
